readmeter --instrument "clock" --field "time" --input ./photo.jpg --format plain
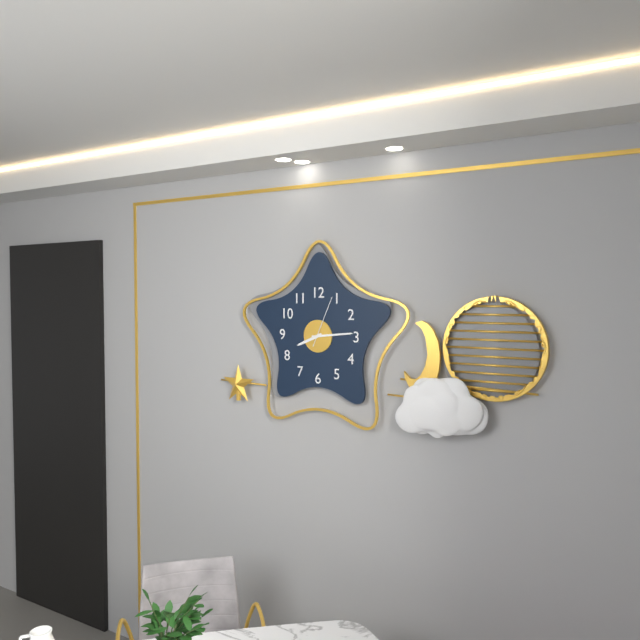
8:14:04
